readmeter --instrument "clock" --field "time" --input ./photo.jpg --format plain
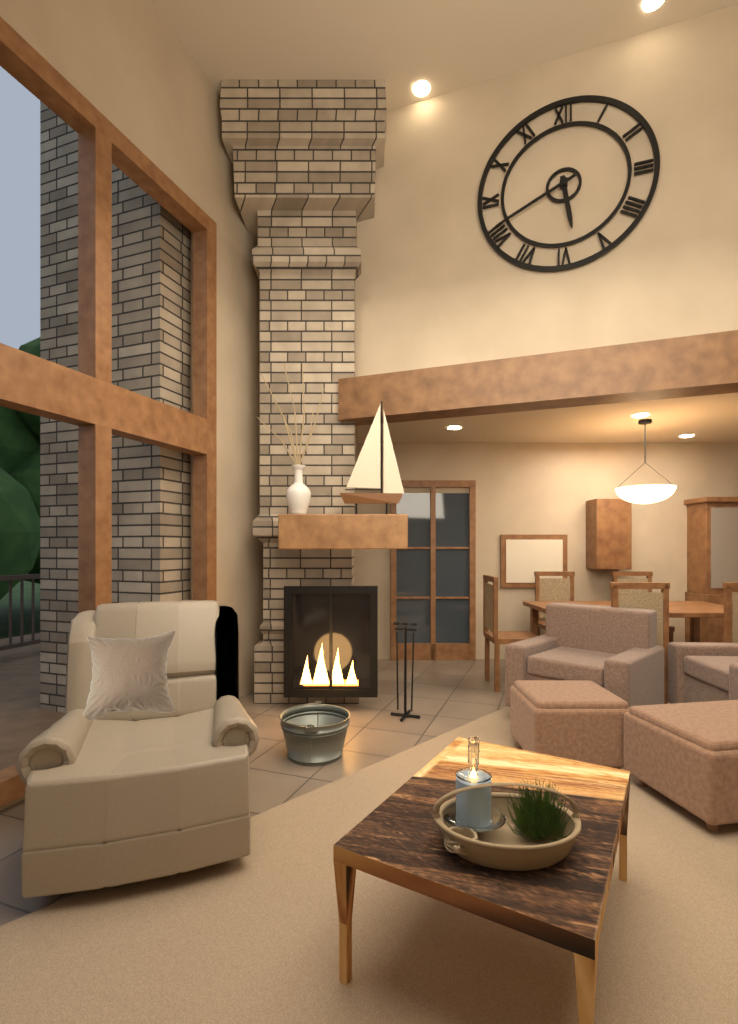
5:41
